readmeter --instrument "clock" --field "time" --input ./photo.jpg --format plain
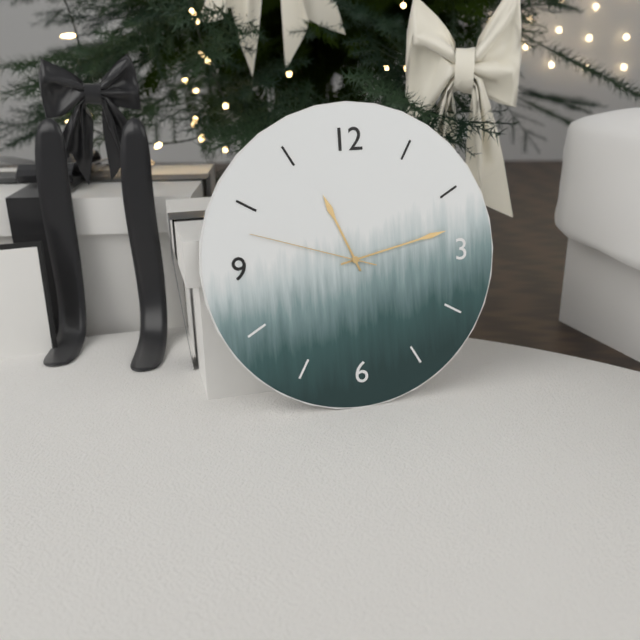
11:13:48
